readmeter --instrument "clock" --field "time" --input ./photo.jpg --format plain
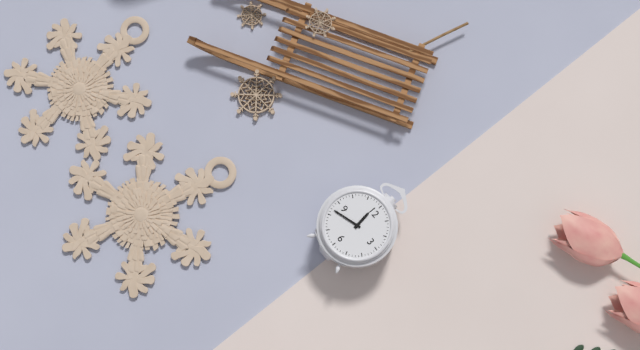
11:42
